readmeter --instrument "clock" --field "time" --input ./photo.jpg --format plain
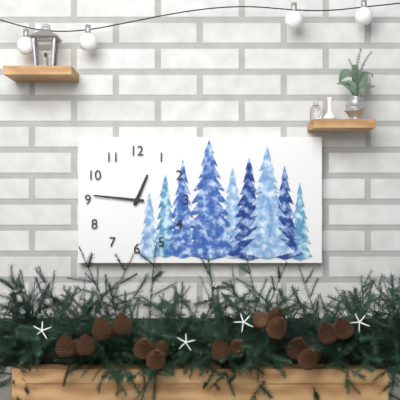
12:46
